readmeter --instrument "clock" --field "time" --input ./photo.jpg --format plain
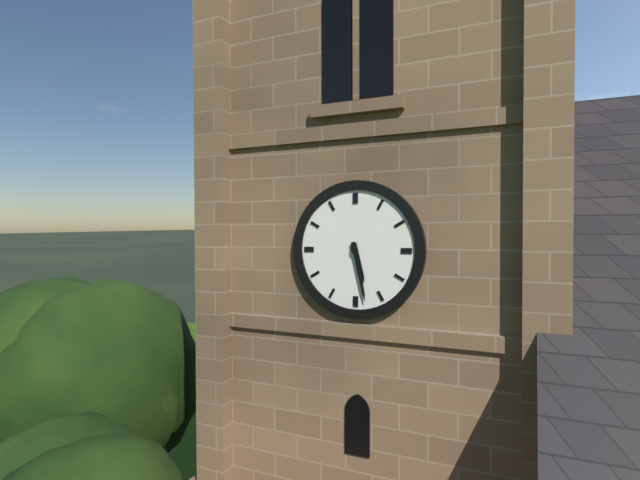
5:28
